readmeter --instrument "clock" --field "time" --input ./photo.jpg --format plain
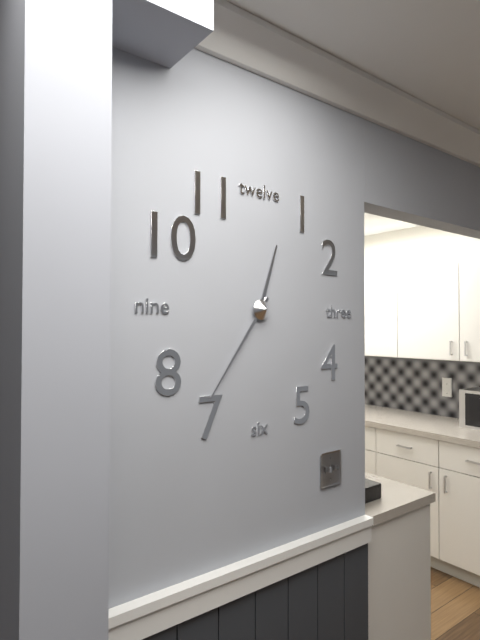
12:36
